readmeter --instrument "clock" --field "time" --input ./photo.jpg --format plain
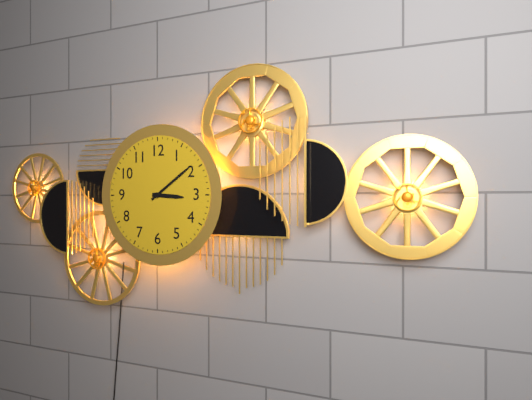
3:09
